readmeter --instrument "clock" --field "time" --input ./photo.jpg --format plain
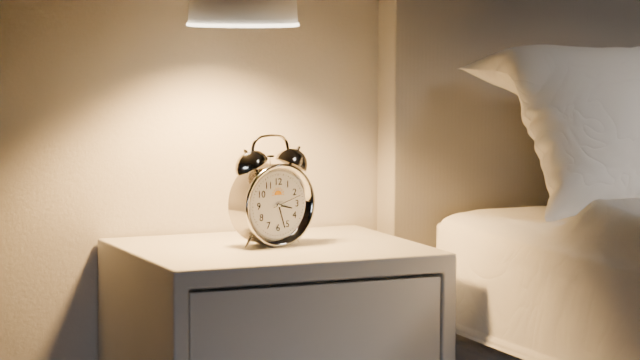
3:27
